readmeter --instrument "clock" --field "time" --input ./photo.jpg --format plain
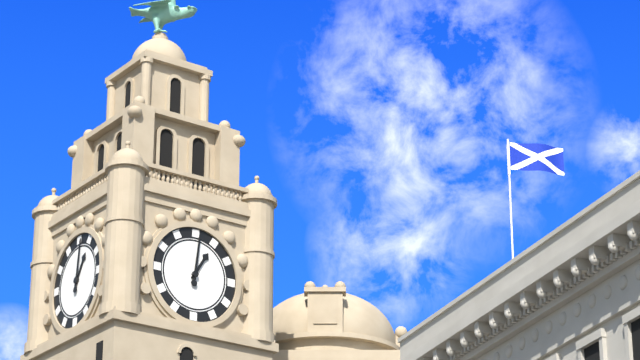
1:01
